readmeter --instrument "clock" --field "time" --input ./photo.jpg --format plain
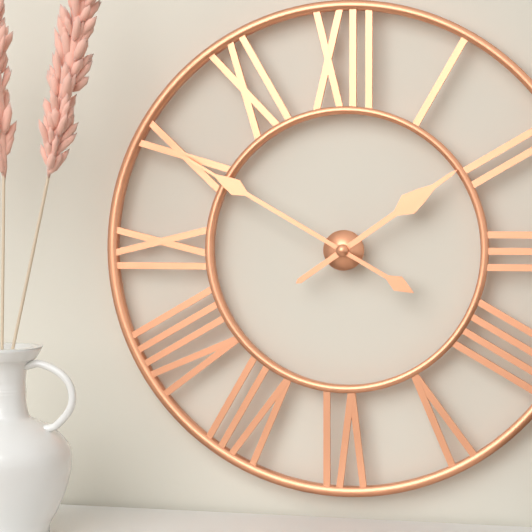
1:50
